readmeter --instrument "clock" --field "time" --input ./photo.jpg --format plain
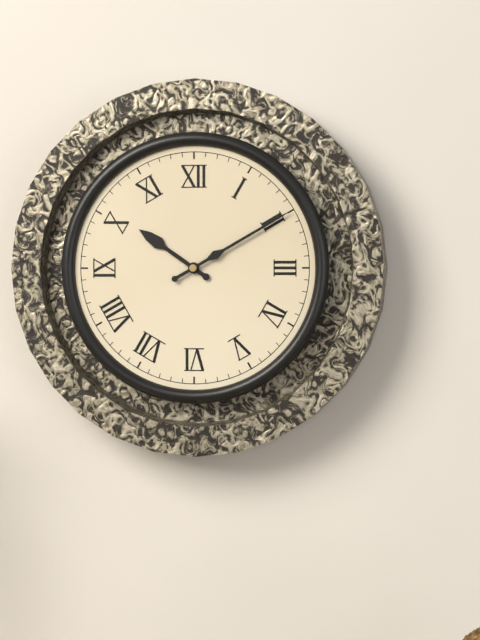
10:10
